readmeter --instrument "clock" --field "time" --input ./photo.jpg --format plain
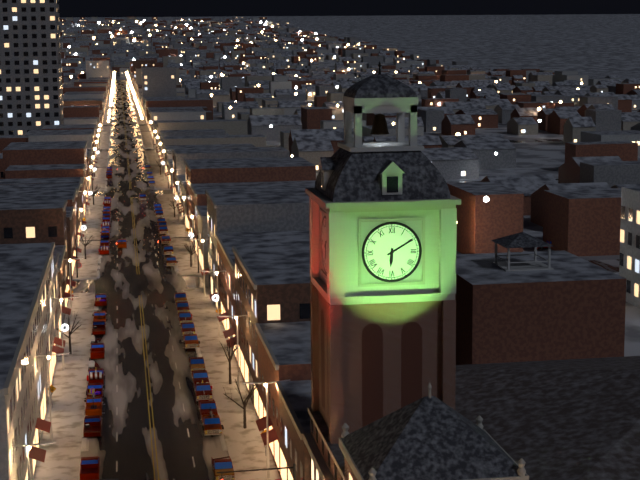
6:10
